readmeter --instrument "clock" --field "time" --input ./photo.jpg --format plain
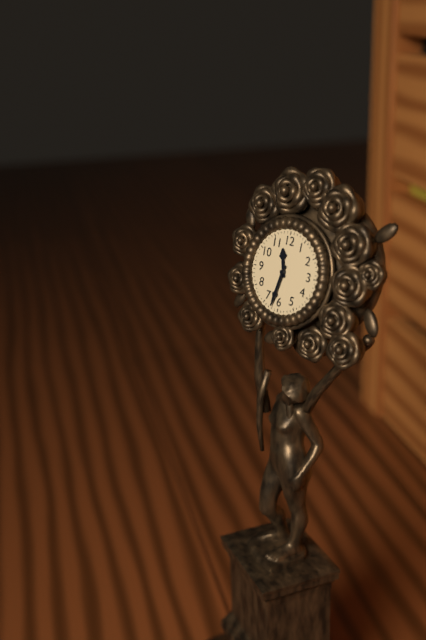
11:32
